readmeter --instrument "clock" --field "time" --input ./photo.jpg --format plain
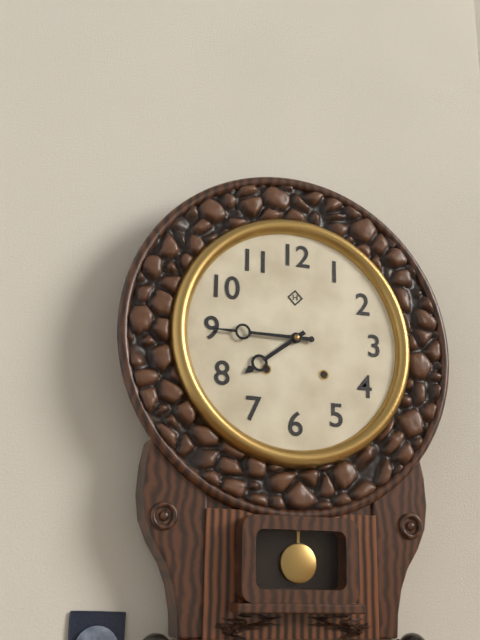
7:45
